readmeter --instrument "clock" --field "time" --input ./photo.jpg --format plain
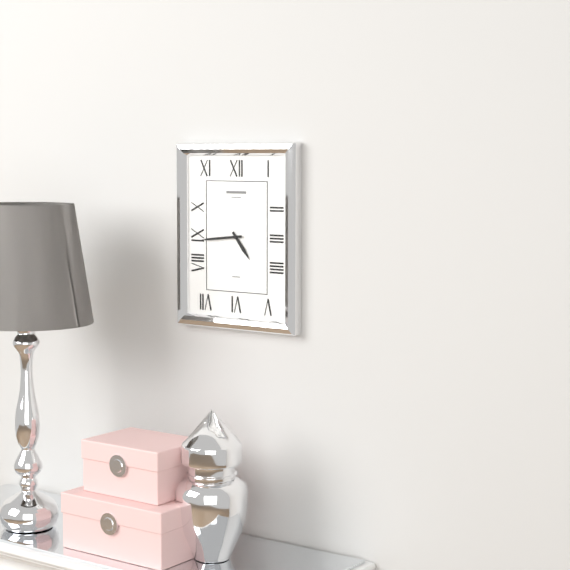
4:44
